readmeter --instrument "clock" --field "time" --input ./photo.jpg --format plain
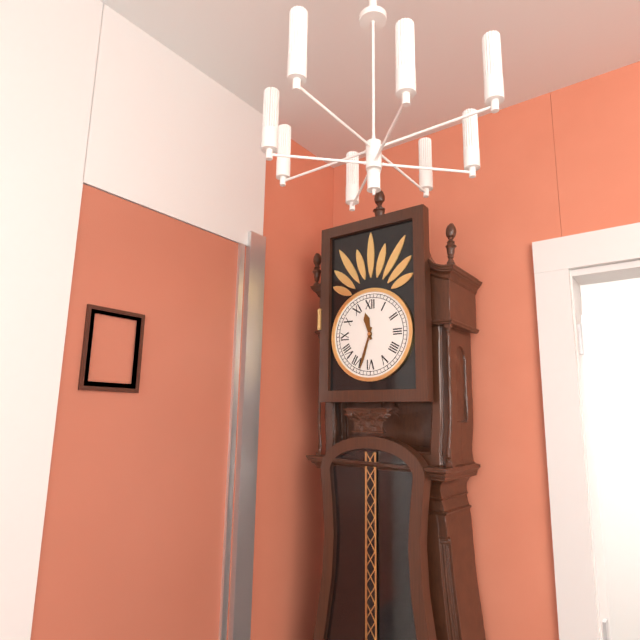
11:33
